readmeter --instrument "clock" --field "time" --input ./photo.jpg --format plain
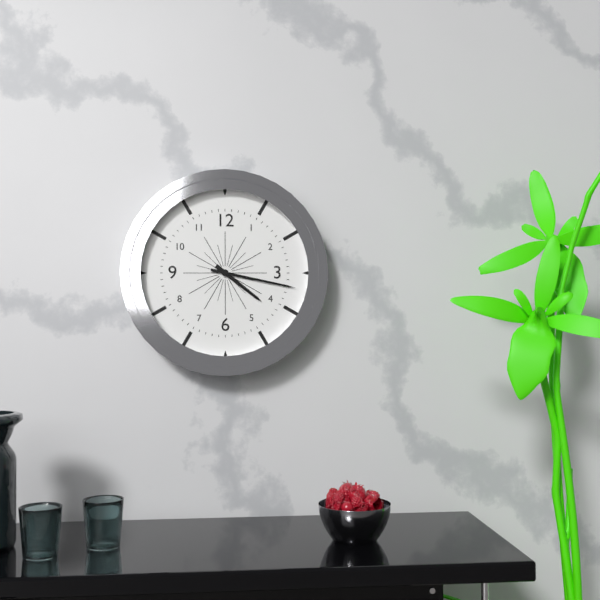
4:17
